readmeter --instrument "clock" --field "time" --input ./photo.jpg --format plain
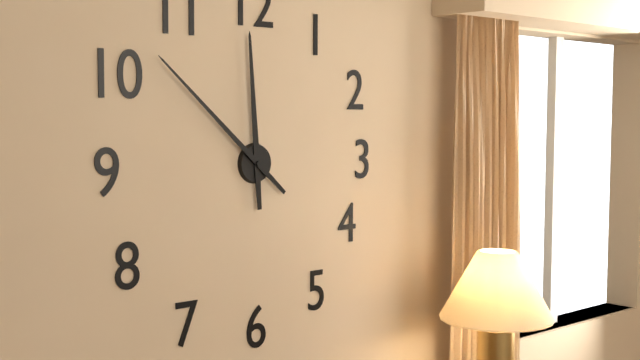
11:52
